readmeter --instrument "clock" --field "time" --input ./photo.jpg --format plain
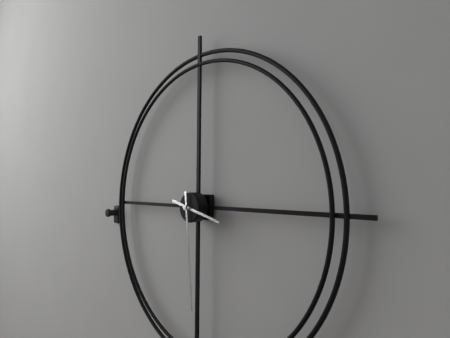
3:29
